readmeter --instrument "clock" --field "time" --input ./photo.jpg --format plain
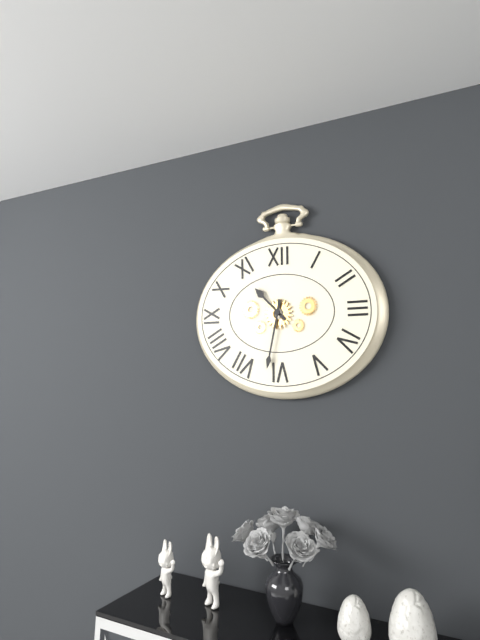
10:32
